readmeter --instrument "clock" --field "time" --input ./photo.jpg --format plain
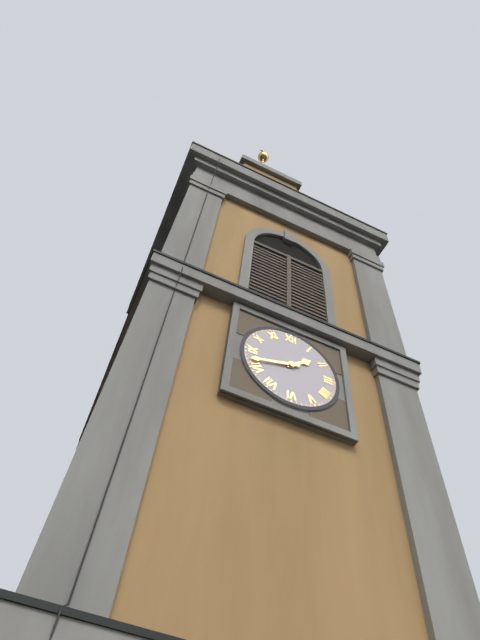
1:42
